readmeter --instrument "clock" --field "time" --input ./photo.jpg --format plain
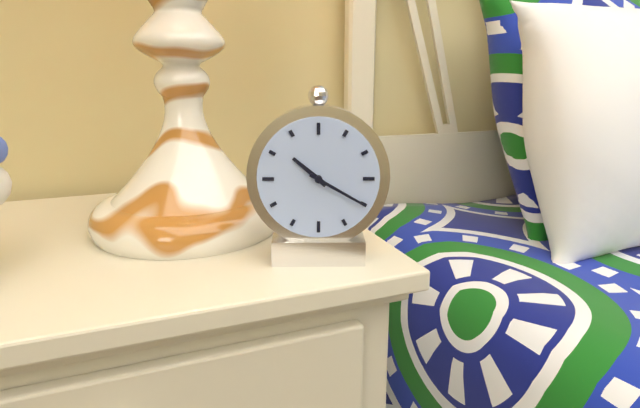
10:20
